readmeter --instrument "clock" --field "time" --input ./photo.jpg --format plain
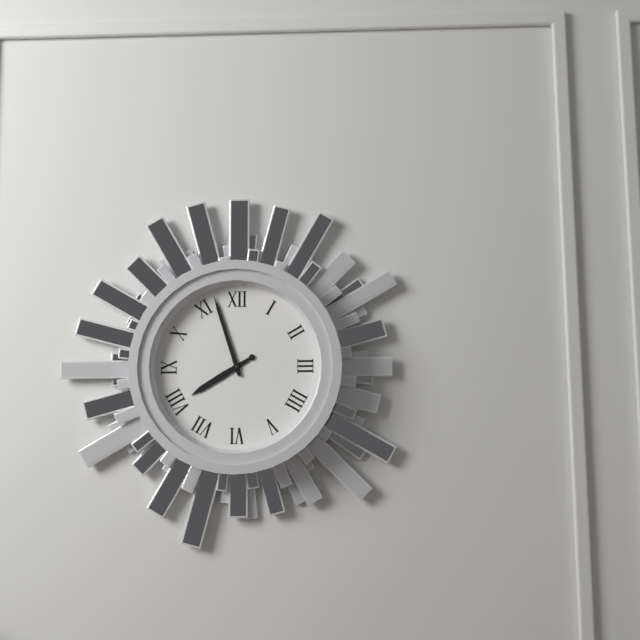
7:57
